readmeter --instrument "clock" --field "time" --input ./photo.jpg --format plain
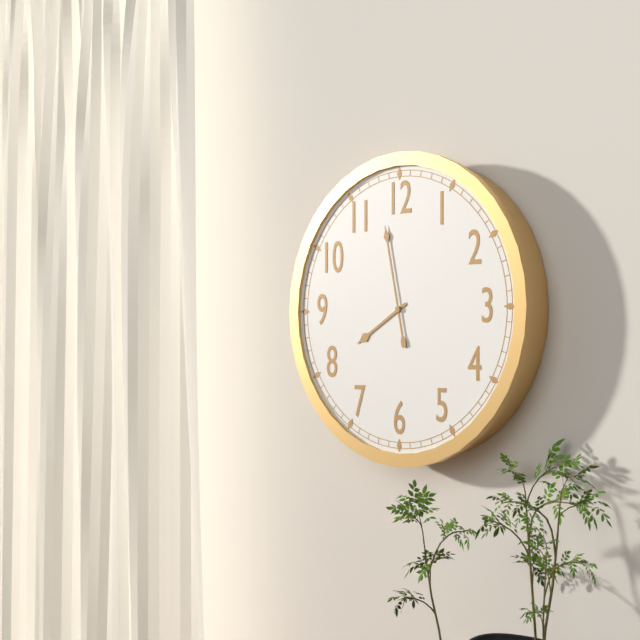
7:58
